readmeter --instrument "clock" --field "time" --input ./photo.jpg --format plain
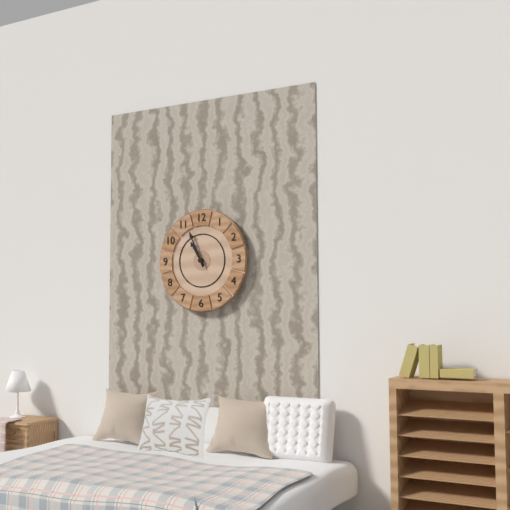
10:56
